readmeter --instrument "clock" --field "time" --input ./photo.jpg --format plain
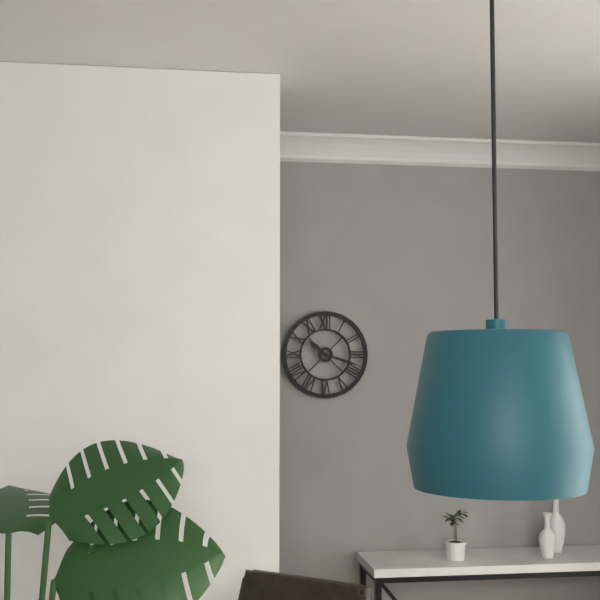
10:18
